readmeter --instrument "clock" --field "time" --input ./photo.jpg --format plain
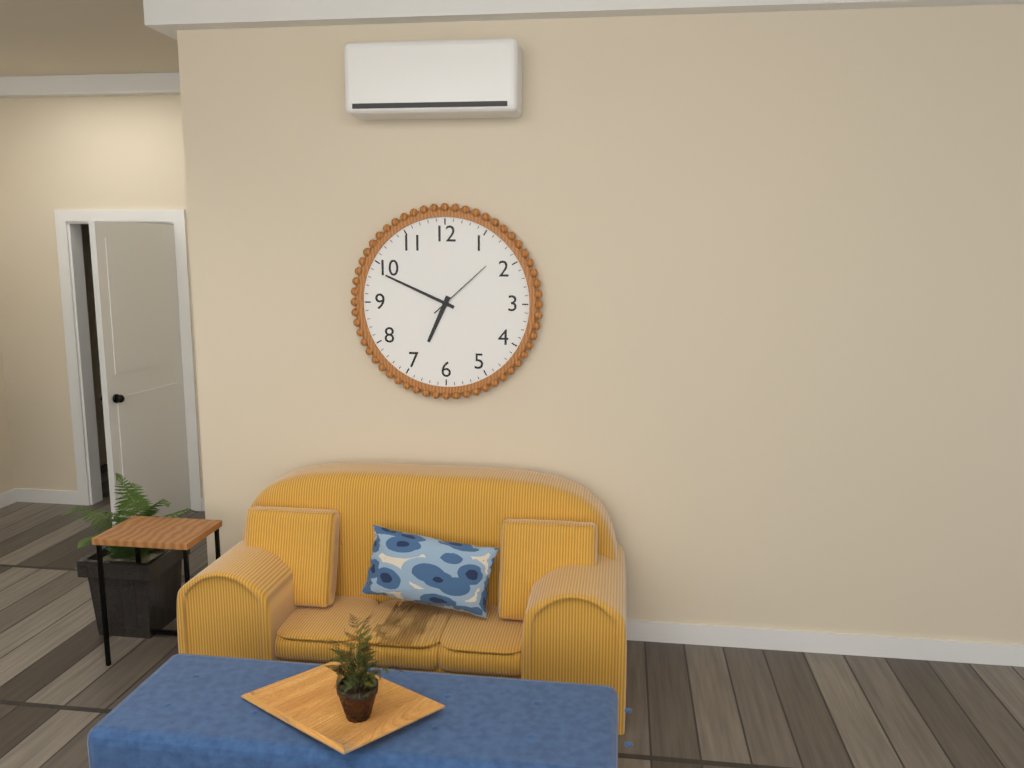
6:49:08
